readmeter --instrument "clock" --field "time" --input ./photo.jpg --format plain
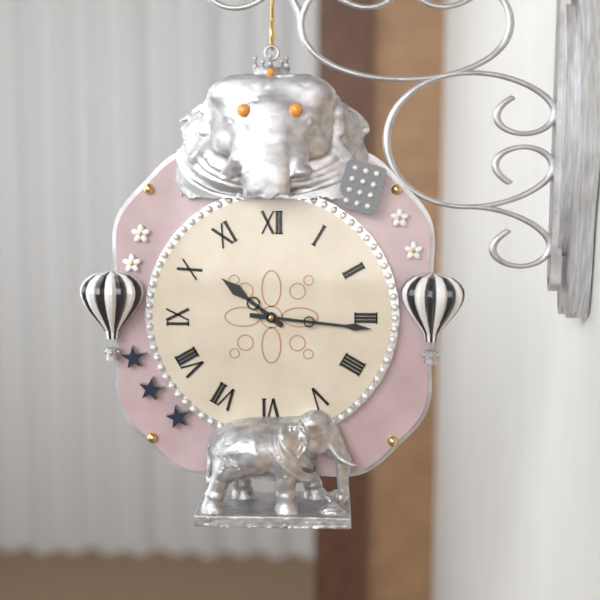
10:16
